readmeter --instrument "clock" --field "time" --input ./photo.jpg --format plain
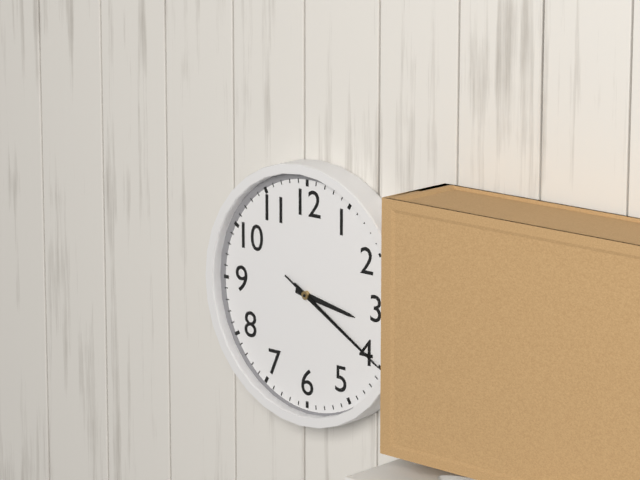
3:20:20
